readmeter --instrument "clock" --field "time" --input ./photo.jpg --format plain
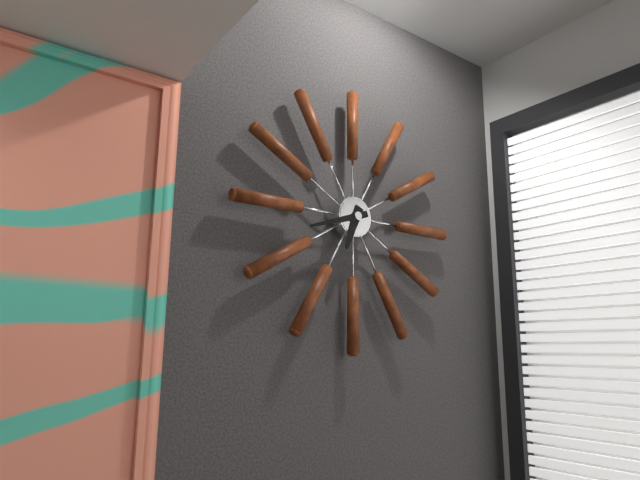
6:42
